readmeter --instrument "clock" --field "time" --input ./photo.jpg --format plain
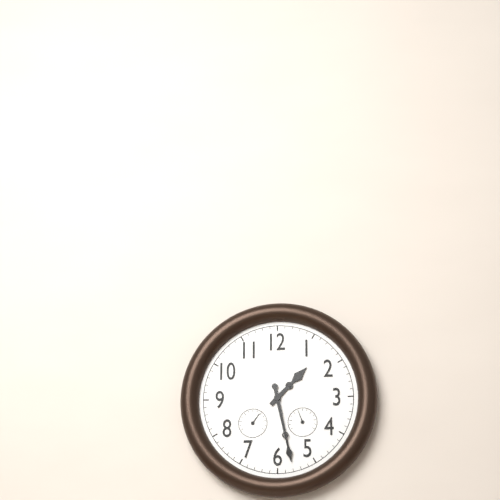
1:28
